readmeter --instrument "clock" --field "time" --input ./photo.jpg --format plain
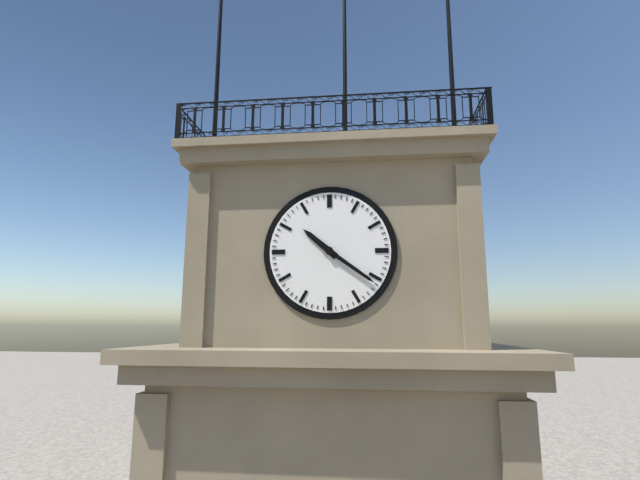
10:21
